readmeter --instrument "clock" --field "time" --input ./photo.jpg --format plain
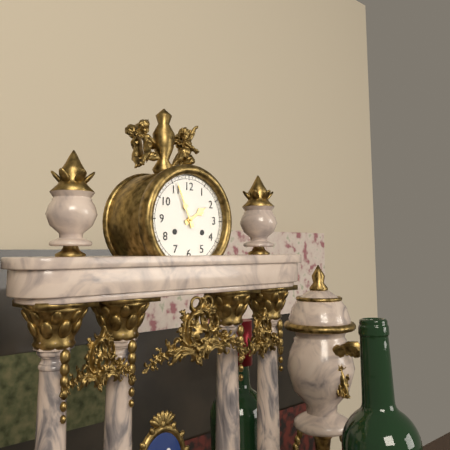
1:56
